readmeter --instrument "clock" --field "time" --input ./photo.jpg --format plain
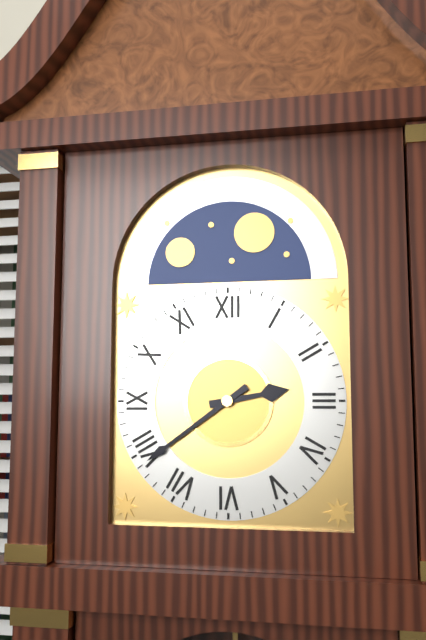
2:39
